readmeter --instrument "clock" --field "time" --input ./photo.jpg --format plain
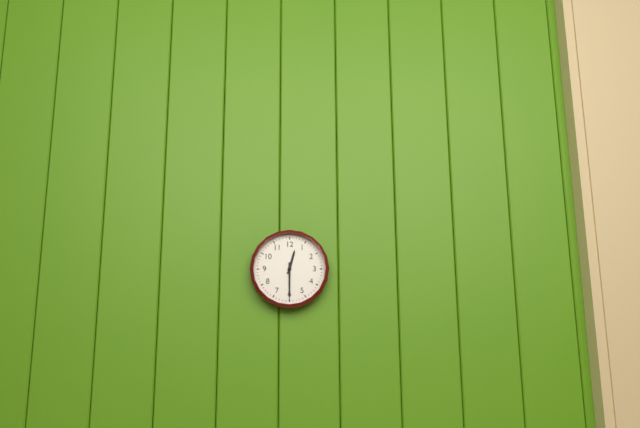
12:30
